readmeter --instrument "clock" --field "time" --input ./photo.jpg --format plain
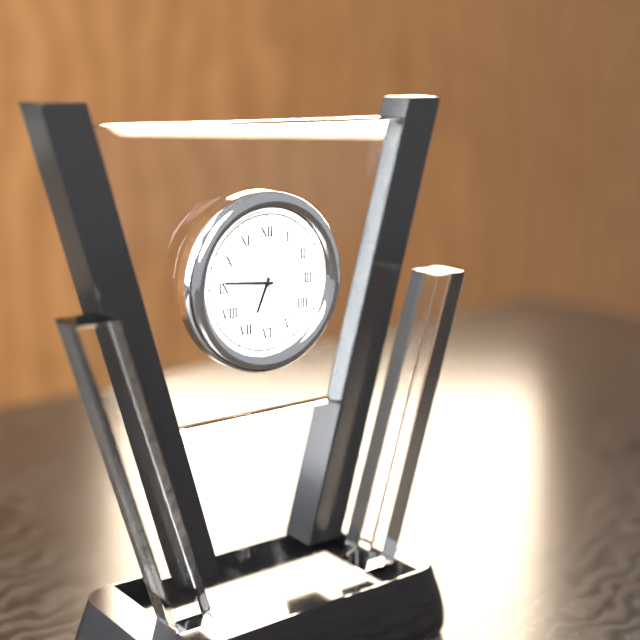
6:46:28
